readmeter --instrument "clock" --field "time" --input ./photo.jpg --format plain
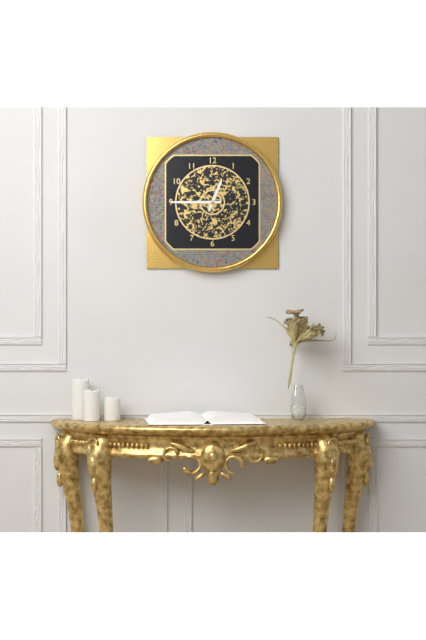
12:45
